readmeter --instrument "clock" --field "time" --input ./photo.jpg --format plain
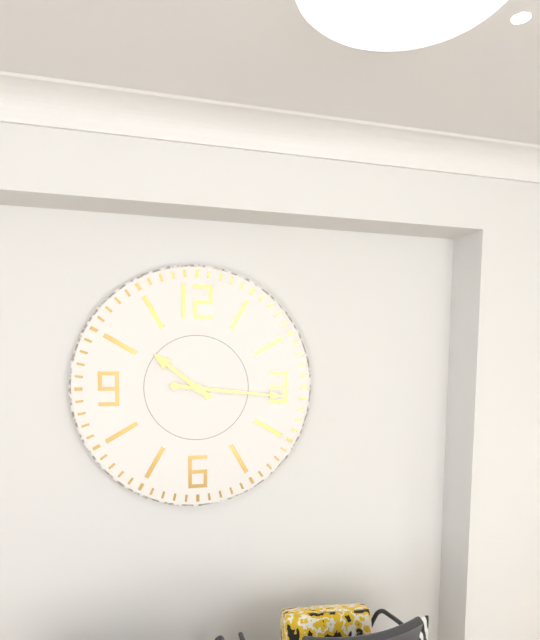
10:16
